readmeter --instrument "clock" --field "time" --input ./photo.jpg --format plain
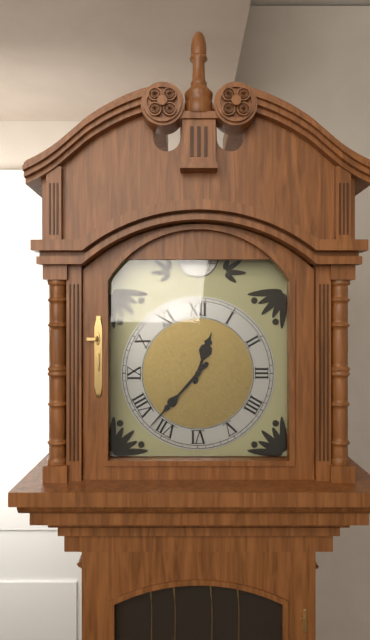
12:37
